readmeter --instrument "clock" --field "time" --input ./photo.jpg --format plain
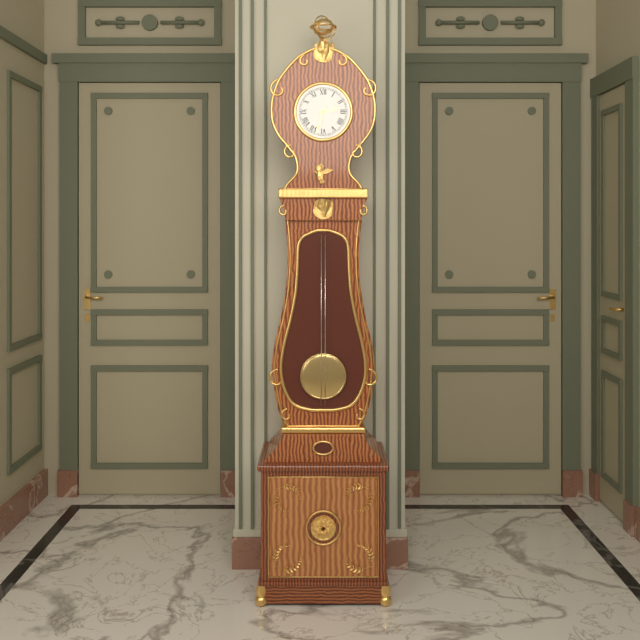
2:33
